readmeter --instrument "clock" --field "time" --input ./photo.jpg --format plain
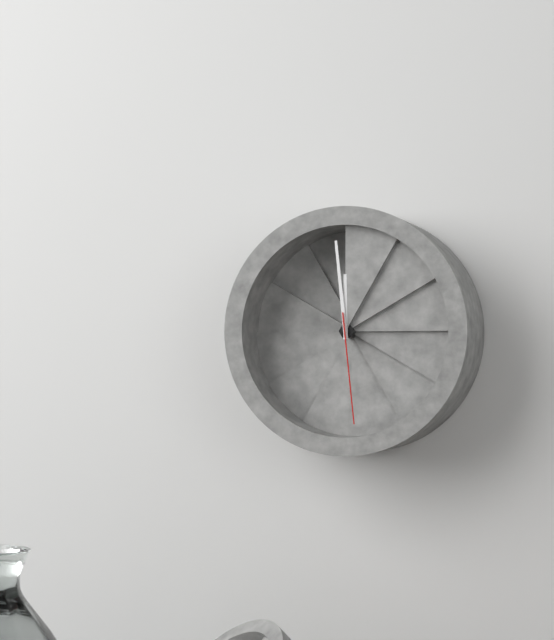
11:59:29
